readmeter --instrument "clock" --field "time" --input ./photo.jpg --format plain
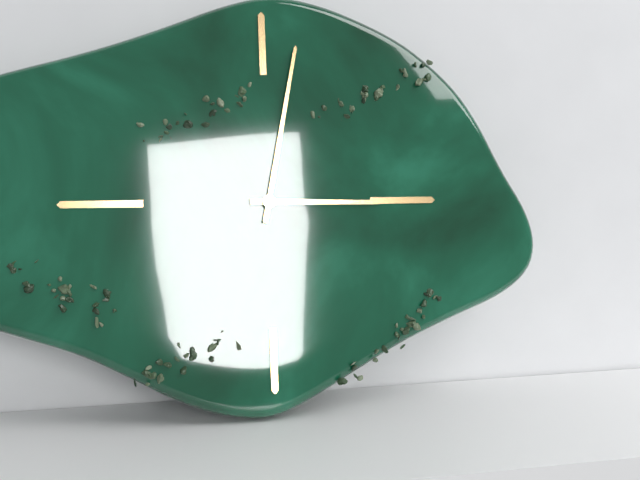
3:02
